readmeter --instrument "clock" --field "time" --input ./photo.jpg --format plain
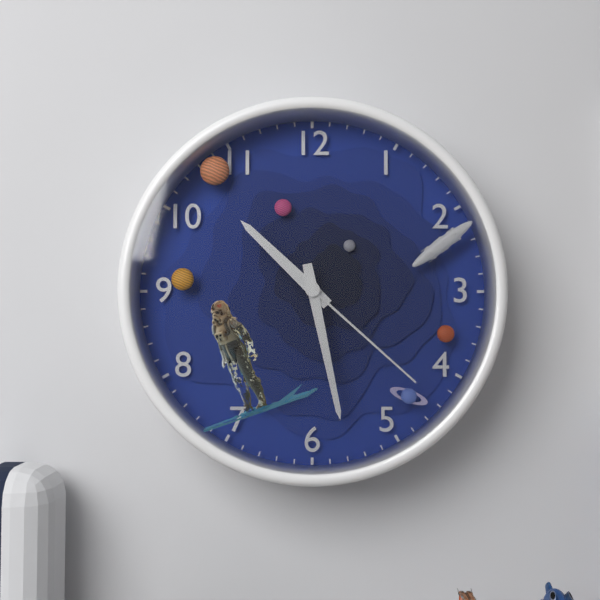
10:28:22
